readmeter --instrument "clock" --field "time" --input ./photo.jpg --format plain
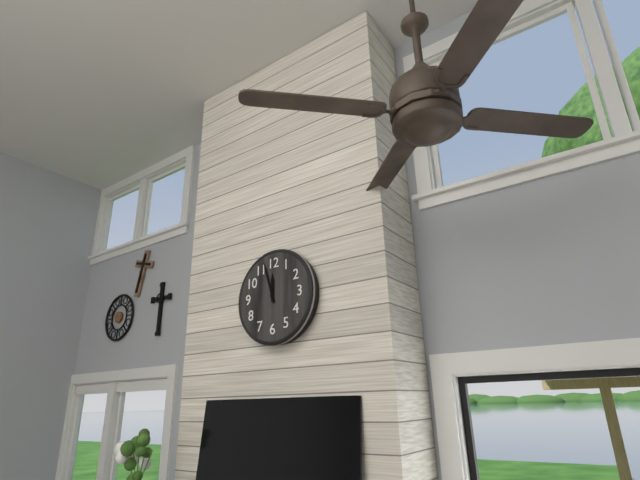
11:57
